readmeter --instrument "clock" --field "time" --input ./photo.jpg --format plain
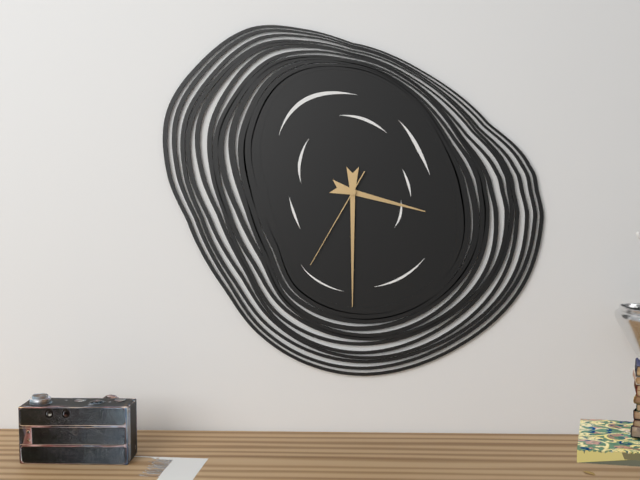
3:30:35
